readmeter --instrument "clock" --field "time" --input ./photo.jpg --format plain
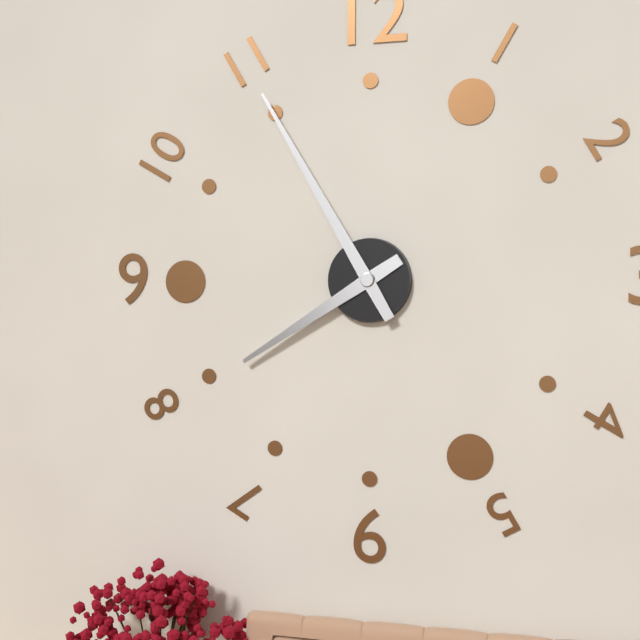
7:55
